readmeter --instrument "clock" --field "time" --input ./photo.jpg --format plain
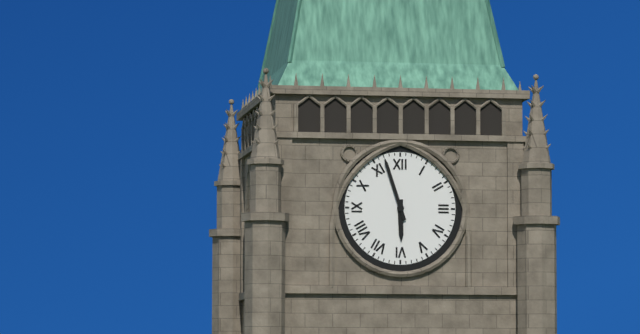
5:57
